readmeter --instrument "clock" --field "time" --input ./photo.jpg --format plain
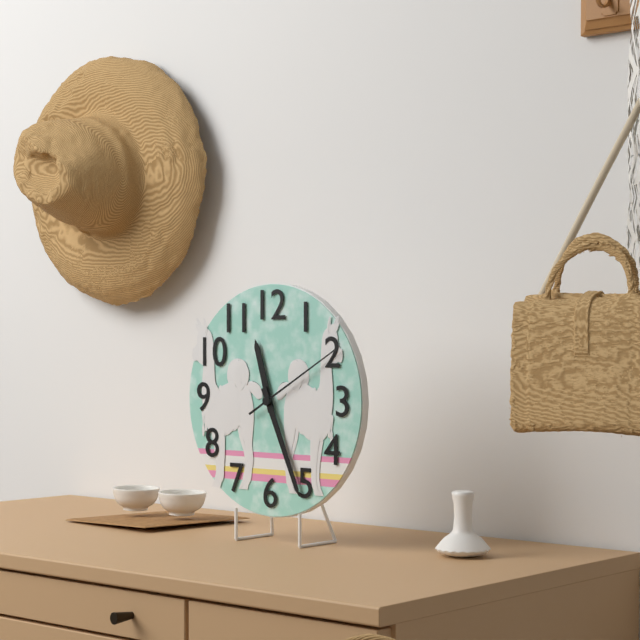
11:26:10
